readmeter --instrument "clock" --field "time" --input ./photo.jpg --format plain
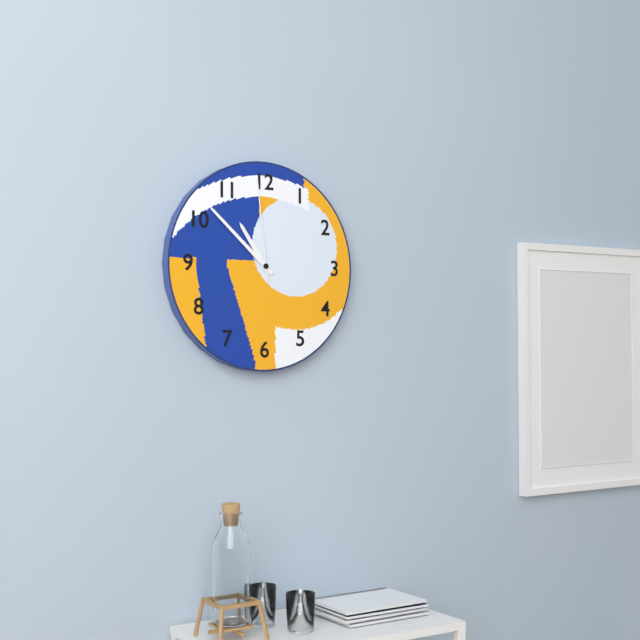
10:52:59
